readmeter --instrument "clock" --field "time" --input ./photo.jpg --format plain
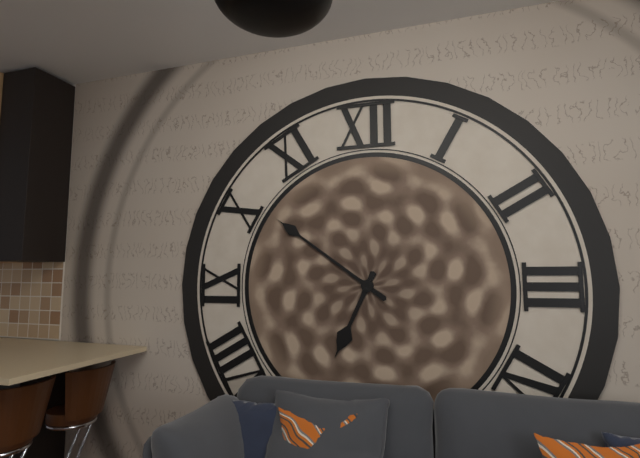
6:51
